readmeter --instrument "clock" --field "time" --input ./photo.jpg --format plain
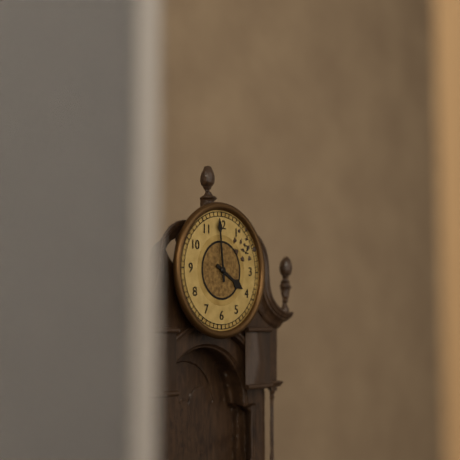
3:59
